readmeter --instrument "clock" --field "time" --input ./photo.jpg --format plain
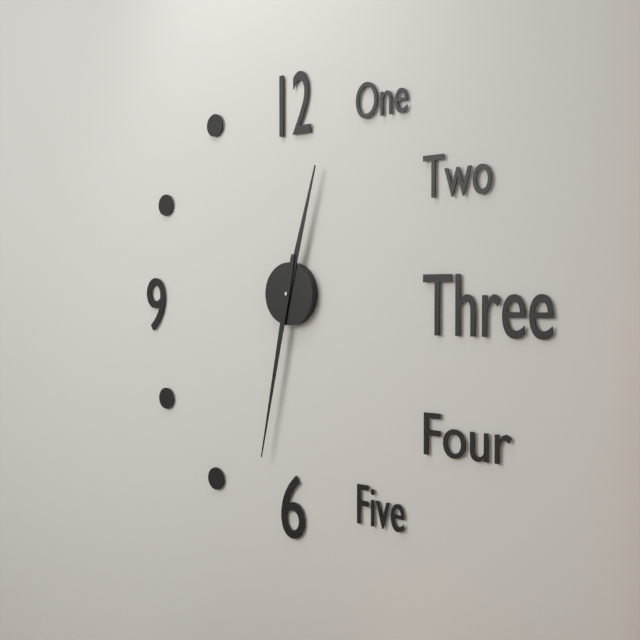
12:32
